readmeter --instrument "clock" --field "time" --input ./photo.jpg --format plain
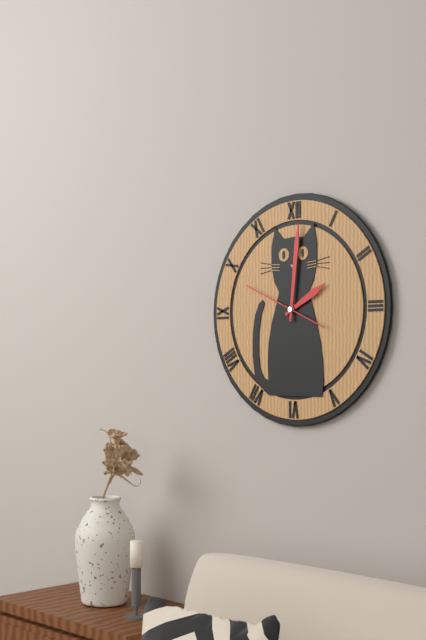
2:01:49
